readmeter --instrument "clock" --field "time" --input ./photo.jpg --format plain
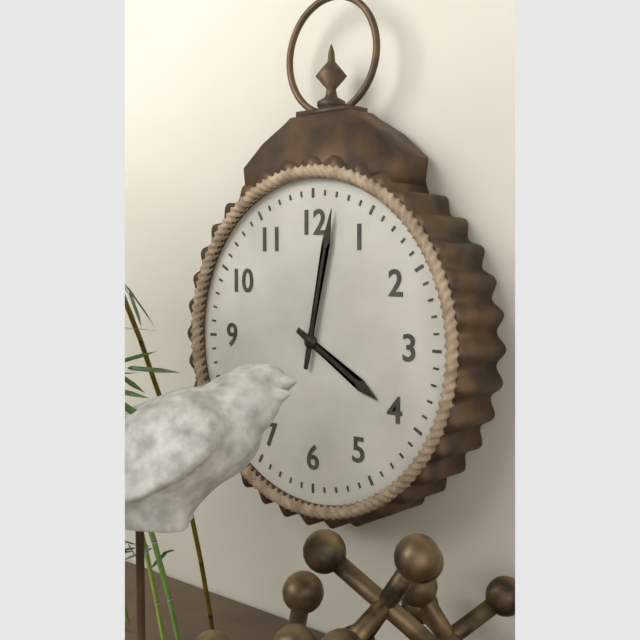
4:02
